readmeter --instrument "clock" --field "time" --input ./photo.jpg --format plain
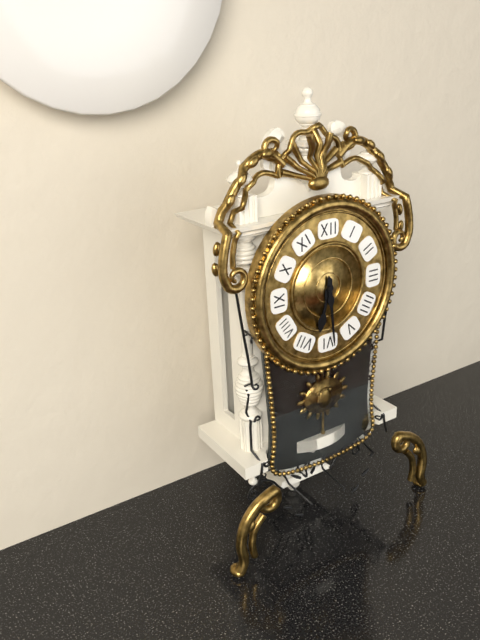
6:29
